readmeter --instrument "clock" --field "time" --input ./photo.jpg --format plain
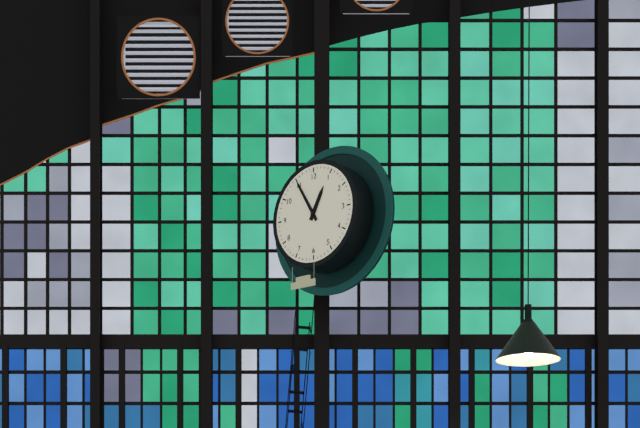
12:55
